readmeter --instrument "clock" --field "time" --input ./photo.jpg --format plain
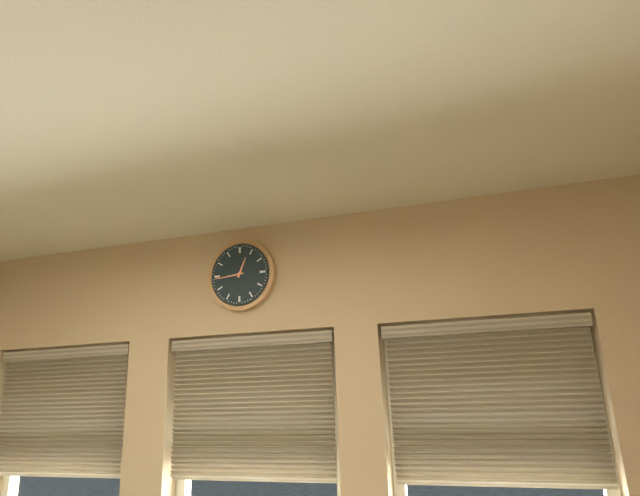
12:44
